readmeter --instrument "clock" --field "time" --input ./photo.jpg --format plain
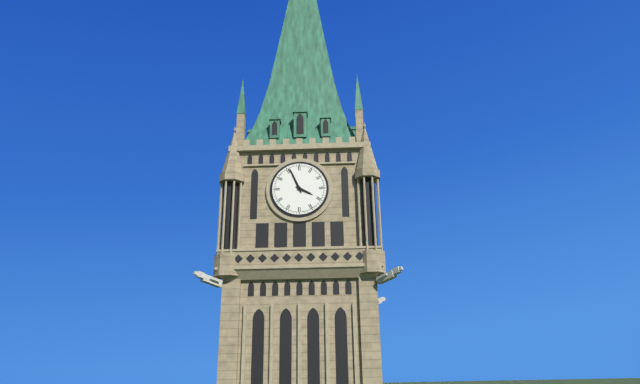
3:56
